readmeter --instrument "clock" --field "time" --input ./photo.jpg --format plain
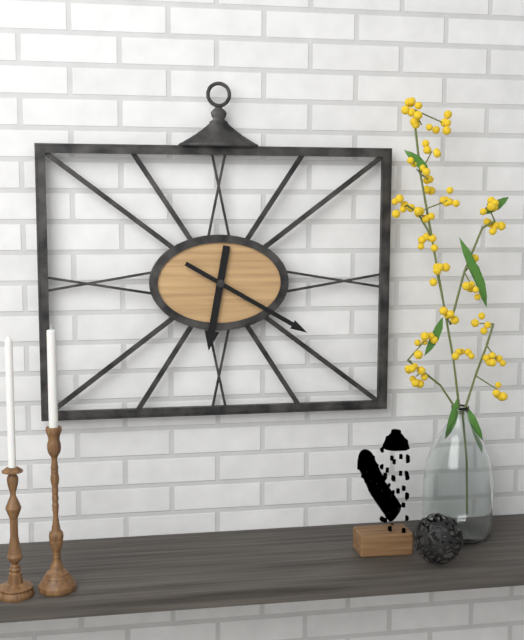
6:20
